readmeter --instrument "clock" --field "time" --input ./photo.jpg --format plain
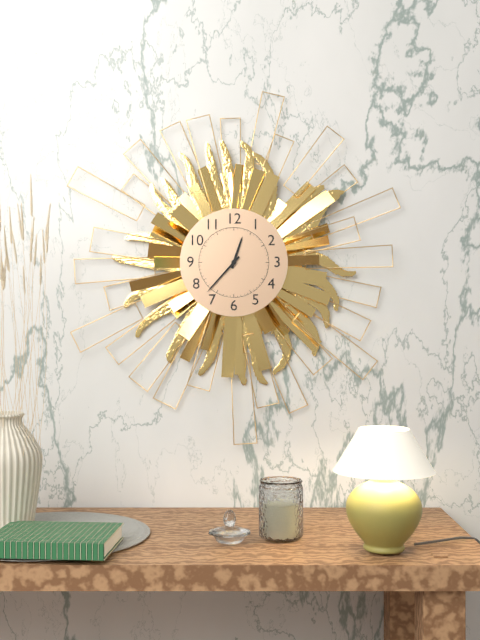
12:37
